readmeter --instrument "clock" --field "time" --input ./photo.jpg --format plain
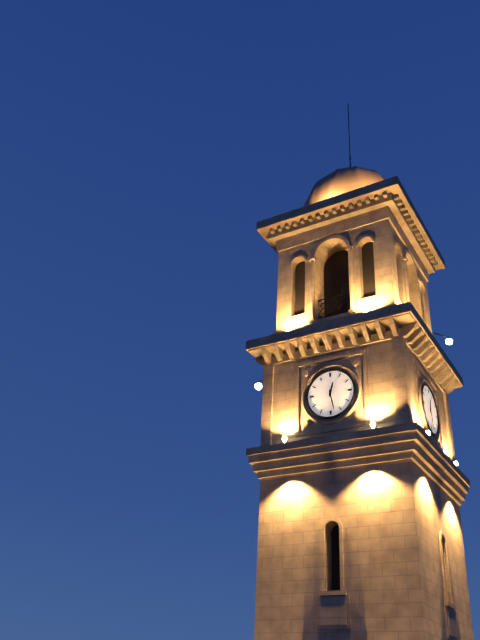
12:28
